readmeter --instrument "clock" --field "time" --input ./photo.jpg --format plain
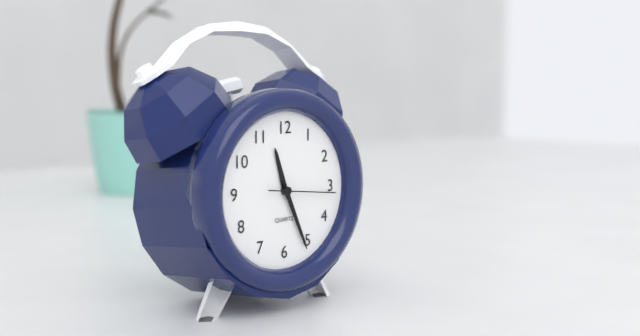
11:26:16
